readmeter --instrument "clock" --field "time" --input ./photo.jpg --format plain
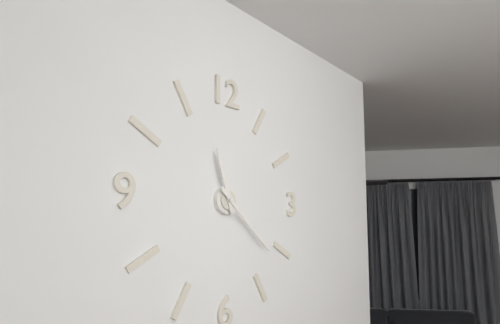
11:22
